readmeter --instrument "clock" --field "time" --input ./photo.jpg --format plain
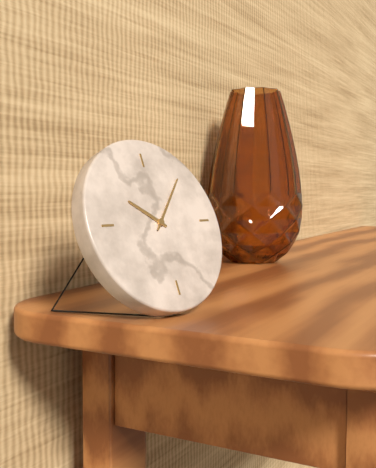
10:07
